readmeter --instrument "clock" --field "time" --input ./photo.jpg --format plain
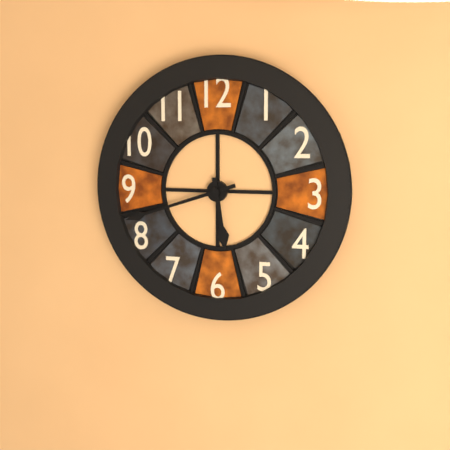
5:42
